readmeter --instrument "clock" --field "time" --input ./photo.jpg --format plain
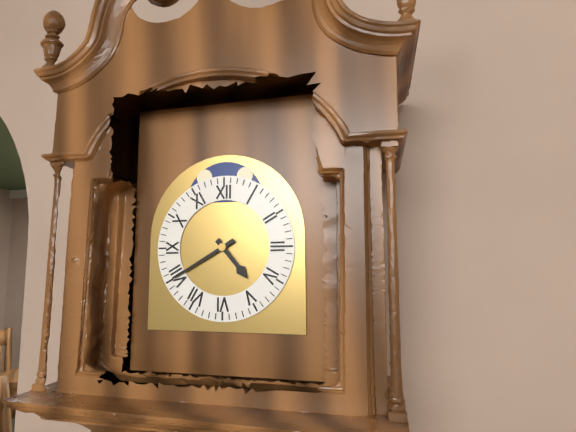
4:40
